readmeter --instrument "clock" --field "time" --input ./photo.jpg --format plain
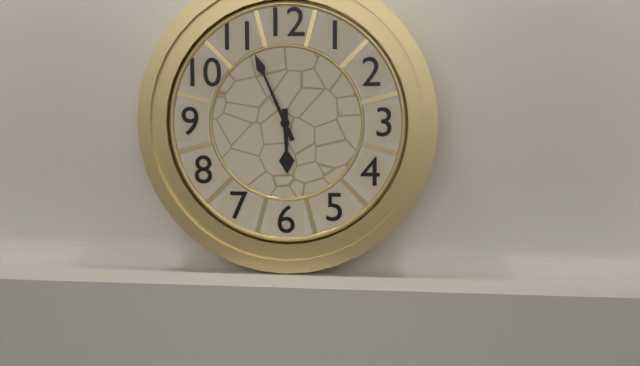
5:56
